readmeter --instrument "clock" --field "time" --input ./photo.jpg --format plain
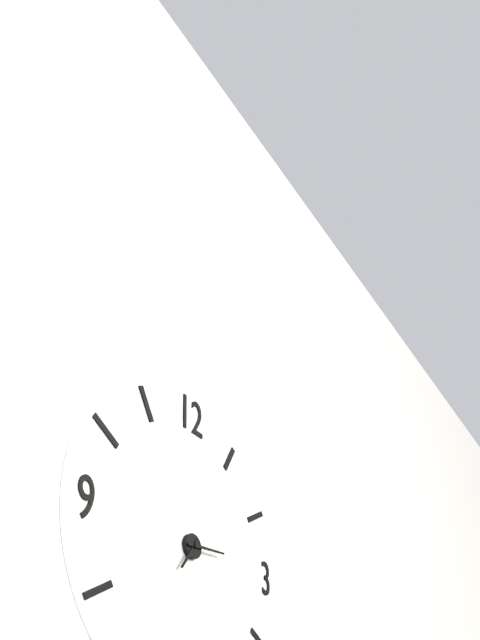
7:14
